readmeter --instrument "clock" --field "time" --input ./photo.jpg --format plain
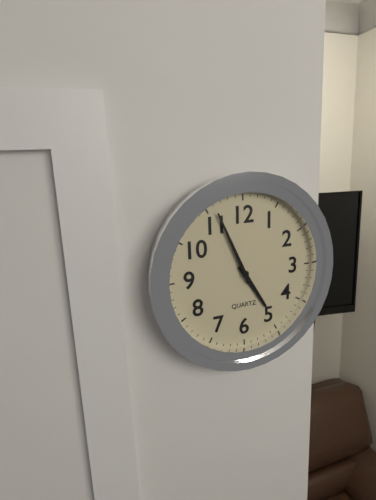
4:56
